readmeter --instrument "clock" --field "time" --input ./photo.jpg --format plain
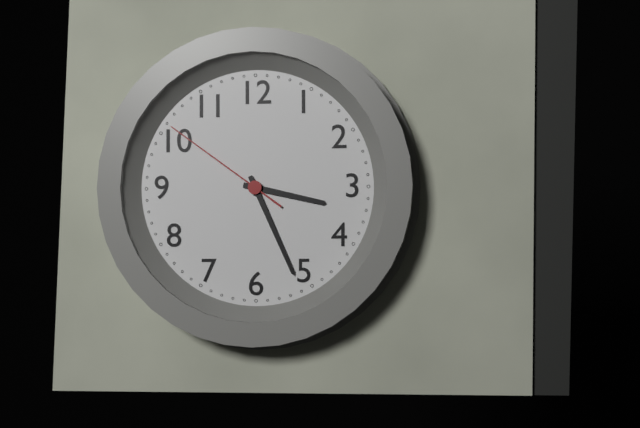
3:26:51
